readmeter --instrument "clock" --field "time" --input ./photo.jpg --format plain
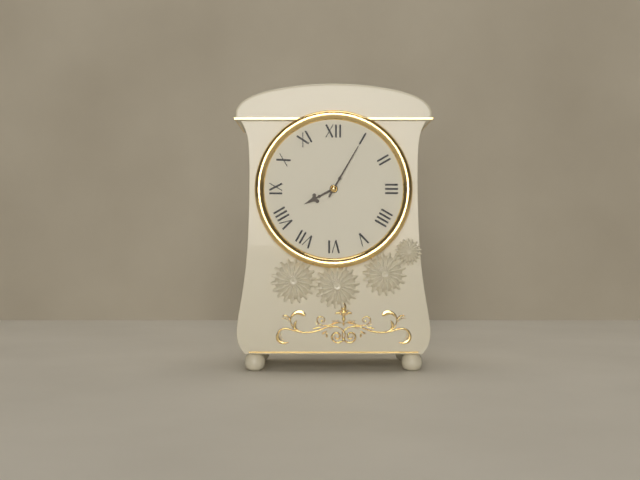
8:05
